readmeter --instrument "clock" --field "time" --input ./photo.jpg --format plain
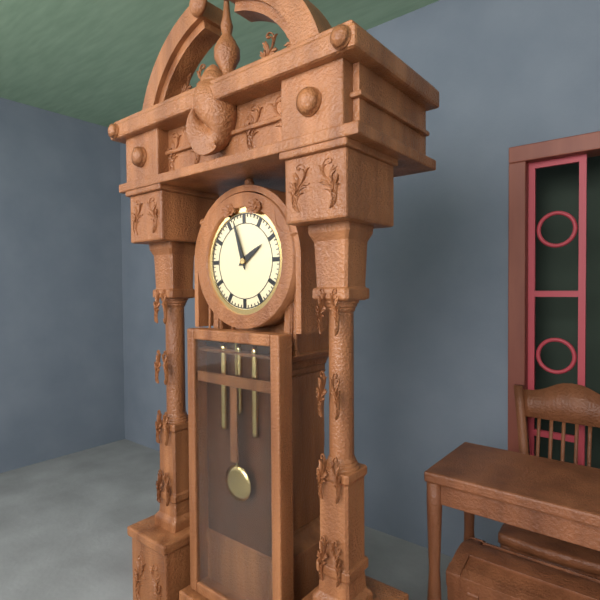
1:57
